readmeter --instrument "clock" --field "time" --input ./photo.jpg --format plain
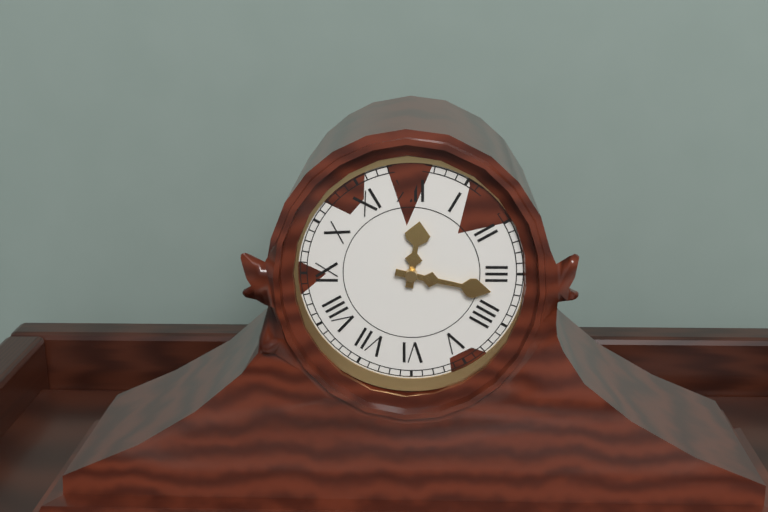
12:17
